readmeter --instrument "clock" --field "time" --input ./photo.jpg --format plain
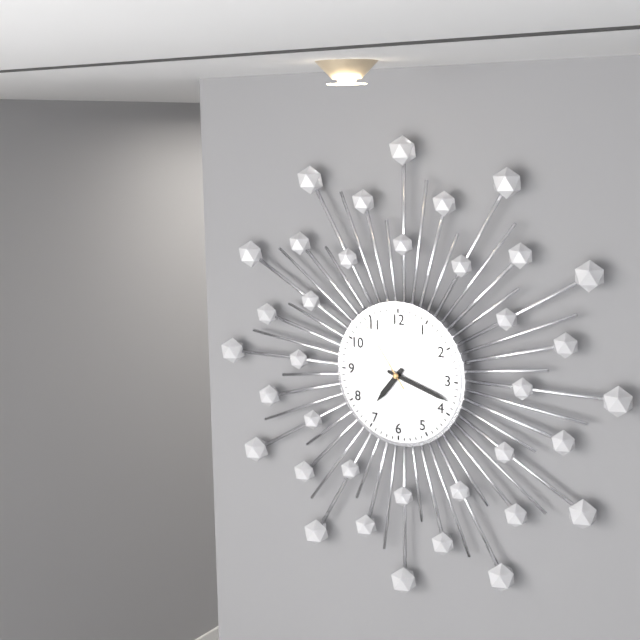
7:18:54
